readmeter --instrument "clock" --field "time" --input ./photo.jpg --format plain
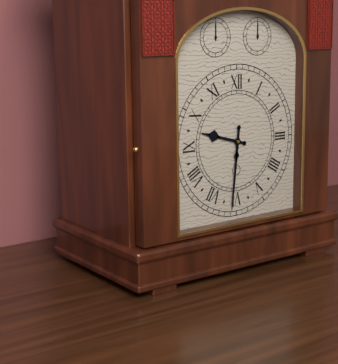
9:31
